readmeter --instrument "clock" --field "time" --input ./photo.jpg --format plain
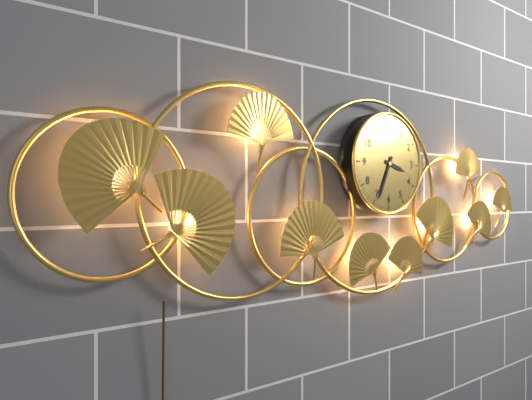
3:34
